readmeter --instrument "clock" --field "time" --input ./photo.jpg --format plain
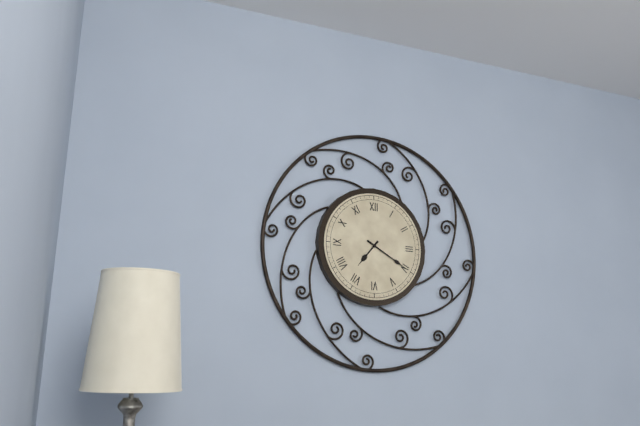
7:20
